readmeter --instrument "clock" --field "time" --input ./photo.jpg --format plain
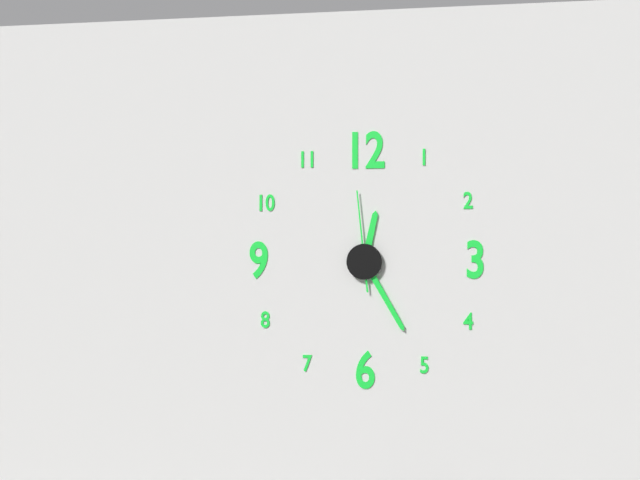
12:25:59
